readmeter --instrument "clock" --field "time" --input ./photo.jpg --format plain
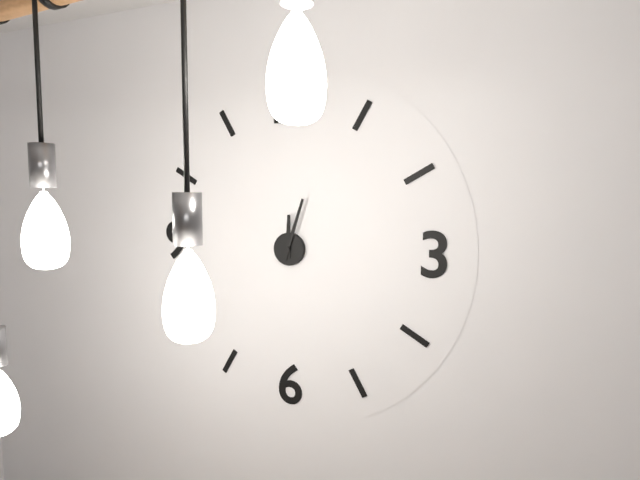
12:03
